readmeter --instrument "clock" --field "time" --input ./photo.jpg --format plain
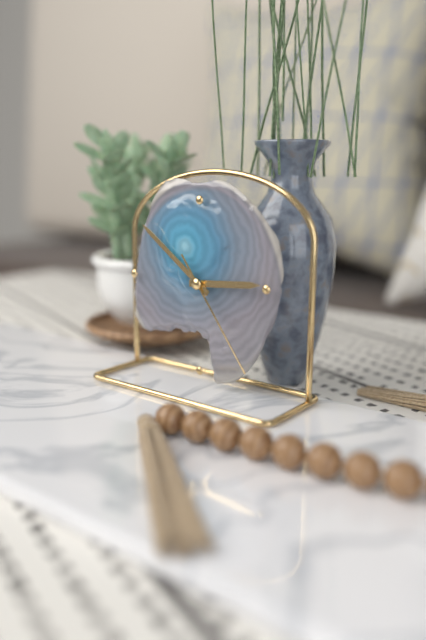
2:51:24
